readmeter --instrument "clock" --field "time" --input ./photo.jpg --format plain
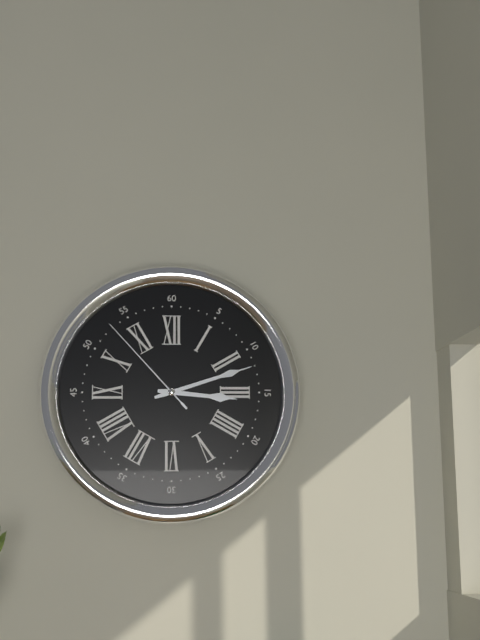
3:12:53
